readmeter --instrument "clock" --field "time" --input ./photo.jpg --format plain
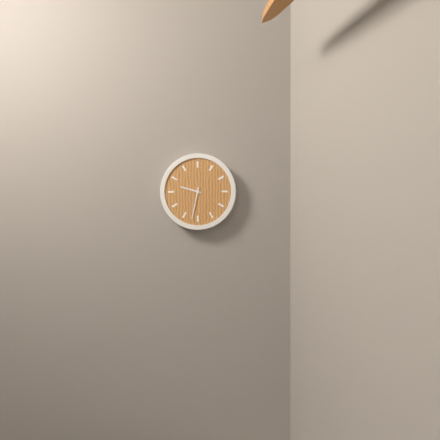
9:32
